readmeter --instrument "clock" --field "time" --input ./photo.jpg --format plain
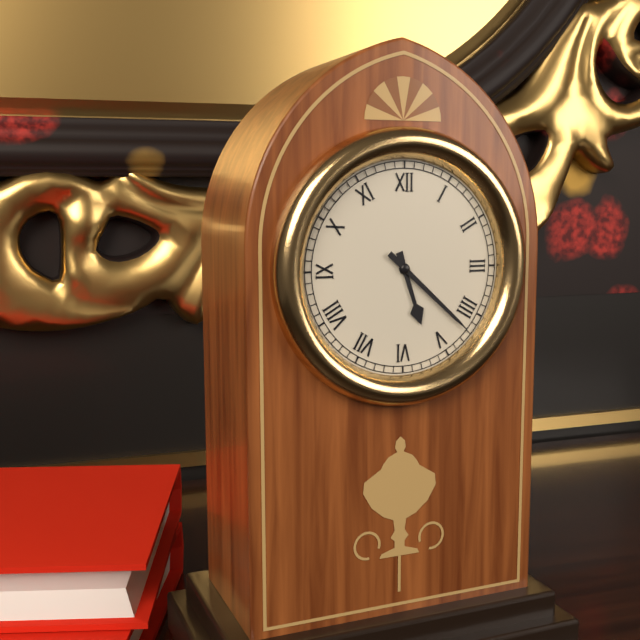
5:22
